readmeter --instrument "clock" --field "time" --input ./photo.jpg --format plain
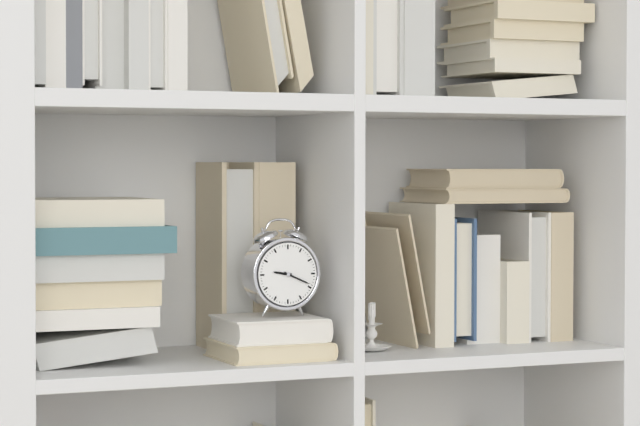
9:19
